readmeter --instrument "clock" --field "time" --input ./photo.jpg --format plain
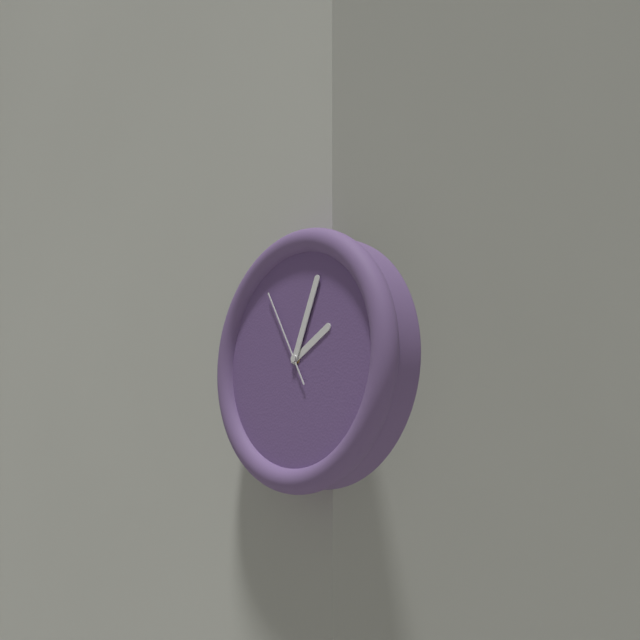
2:04:55
